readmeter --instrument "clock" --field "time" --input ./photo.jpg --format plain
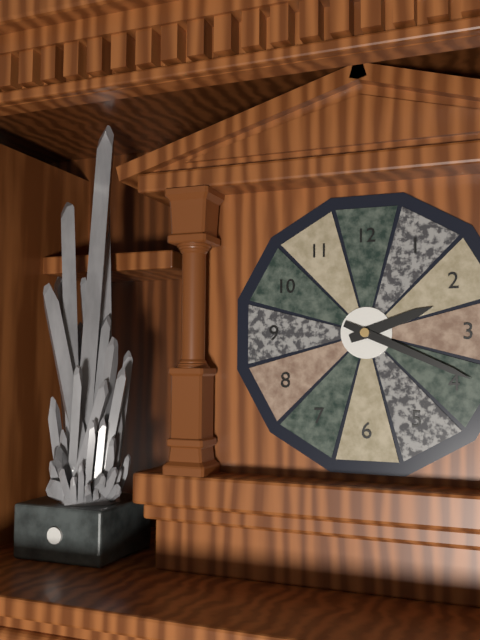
2:19
